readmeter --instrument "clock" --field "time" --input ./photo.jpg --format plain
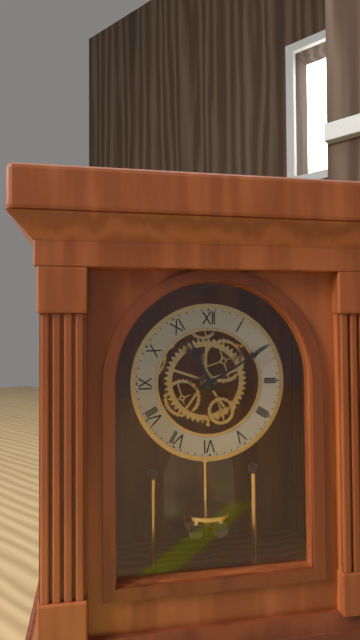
11:10
